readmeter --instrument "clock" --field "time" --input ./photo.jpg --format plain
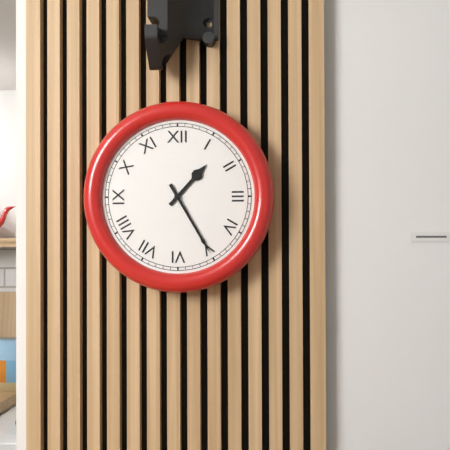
1:25
